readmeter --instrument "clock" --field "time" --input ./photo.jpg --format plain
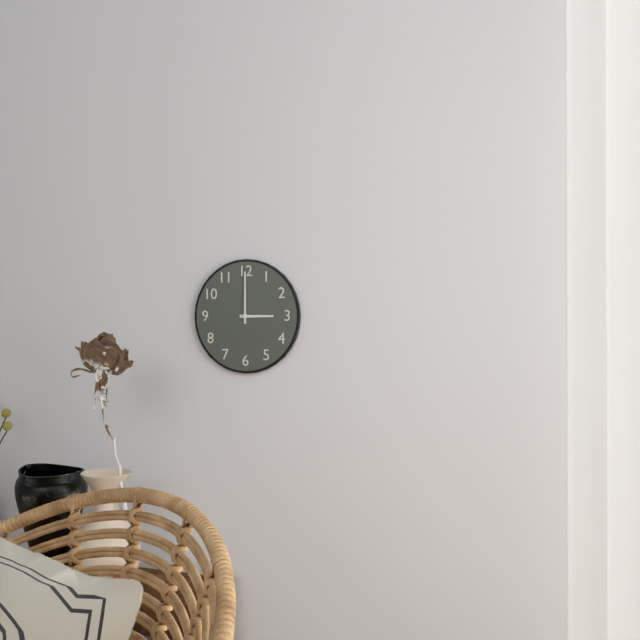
3:00
